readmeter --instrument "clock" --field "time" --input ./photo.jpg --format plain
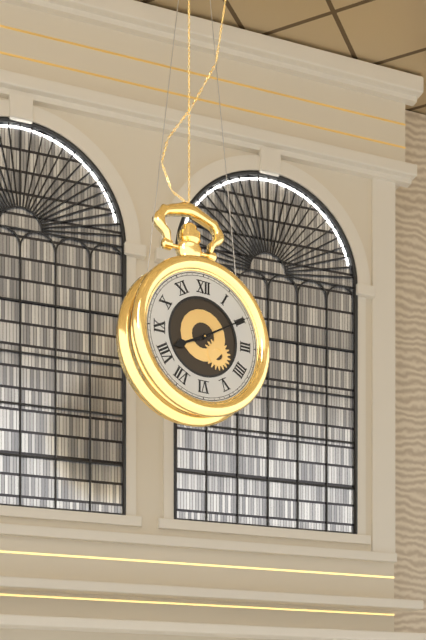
8:10
